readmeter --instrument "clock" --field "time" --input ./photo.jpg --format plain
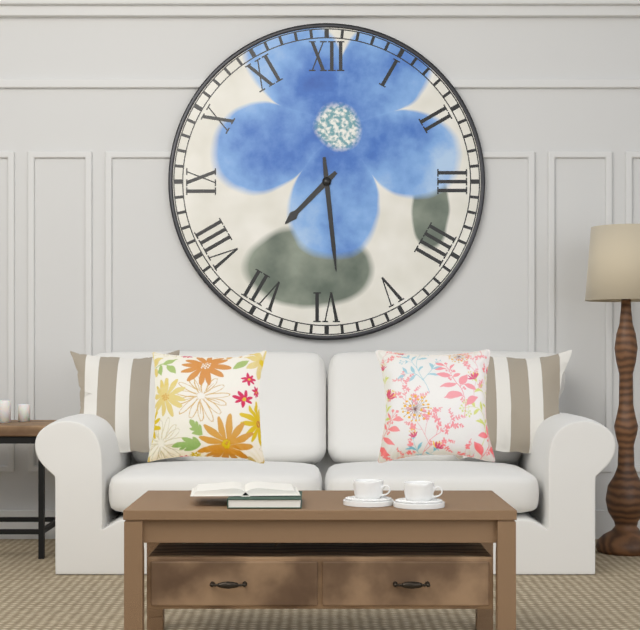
7:29
